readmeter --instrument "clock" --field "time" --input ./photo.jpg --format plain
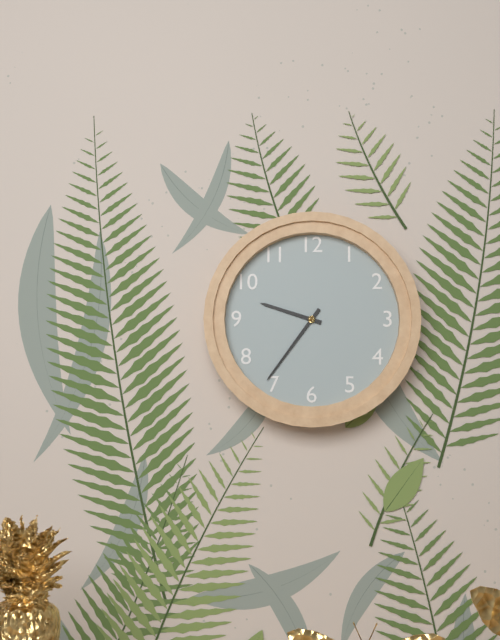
9:36
